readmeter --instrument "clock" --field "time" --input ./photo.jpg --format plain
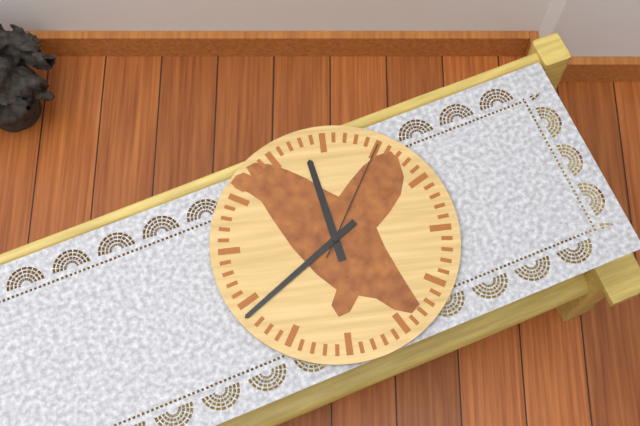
11:39:05
